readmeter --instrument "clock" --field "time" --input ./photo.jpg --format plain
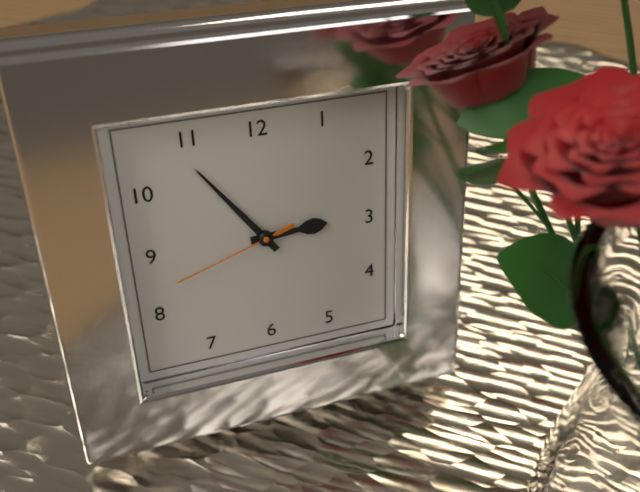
2:54:42
